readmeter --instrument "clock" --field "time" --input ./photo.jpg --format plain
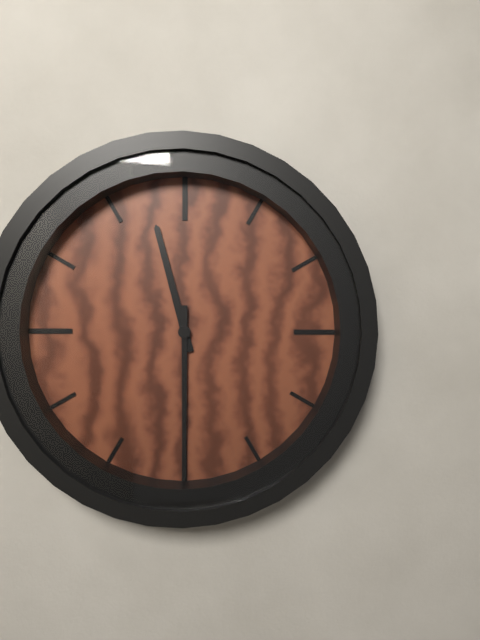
11:30
